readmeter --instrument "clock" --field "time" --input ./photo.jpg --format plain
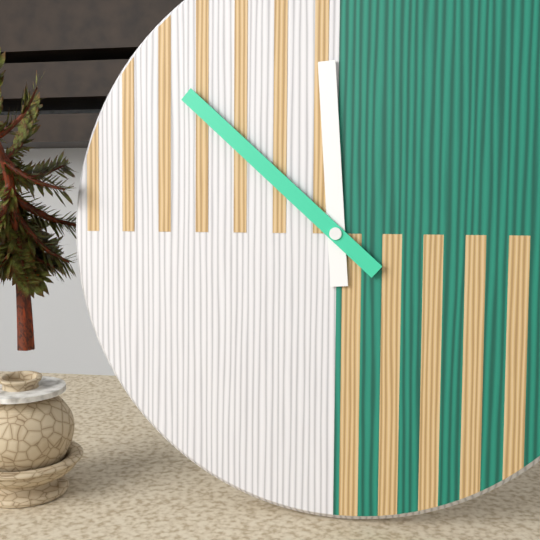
11:52
